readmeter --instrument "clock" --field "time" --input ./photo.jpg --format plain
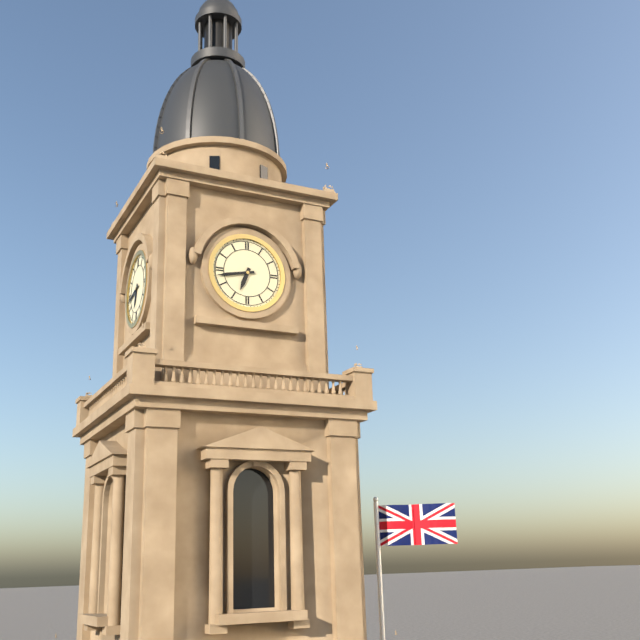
6:43
